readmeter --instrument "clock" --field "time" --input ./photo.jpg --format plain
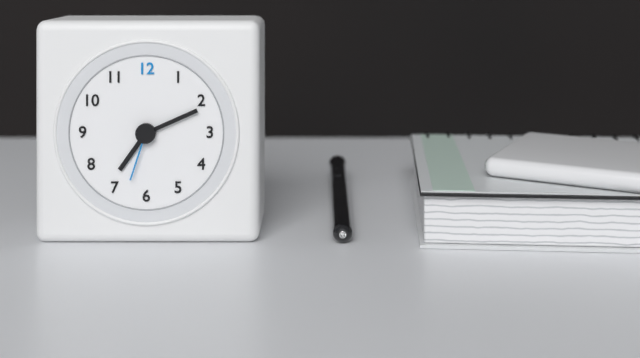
7:11:33
